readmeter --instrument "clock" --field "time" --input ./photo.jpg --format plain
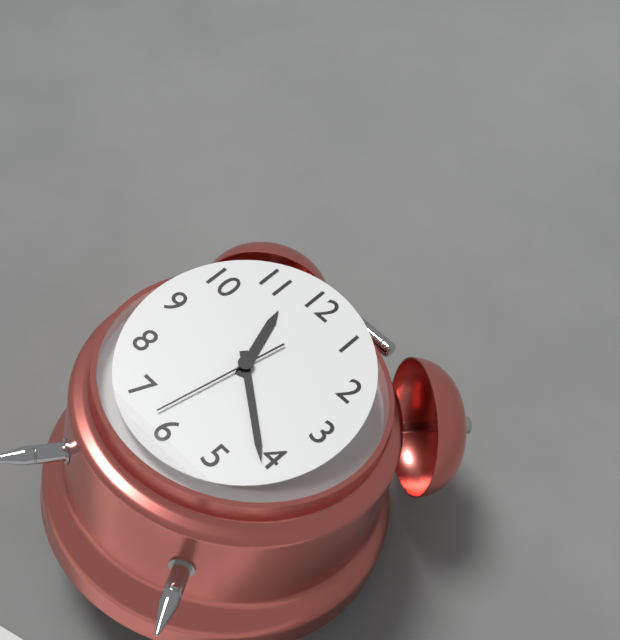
11:21:32
